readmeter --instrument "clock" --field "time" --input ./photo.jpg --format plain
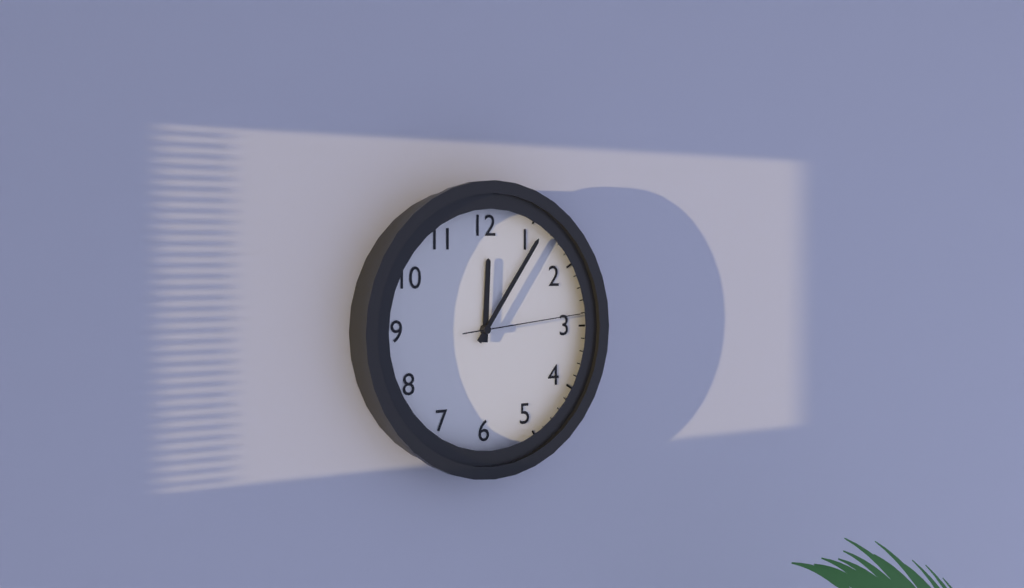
12:06:14
